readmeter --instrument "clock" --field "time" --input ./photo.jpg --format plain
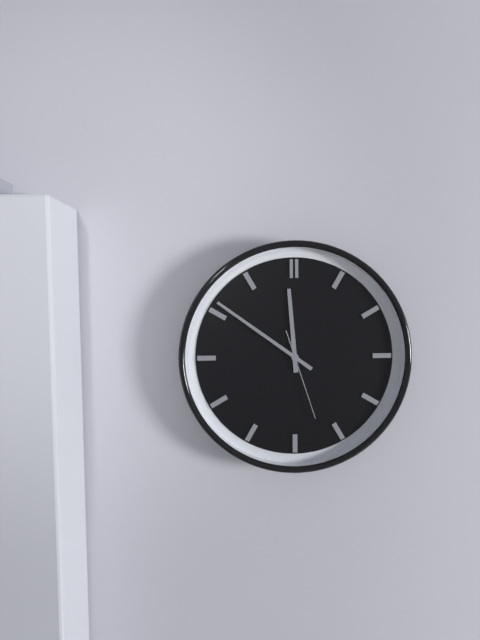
11:51:27
